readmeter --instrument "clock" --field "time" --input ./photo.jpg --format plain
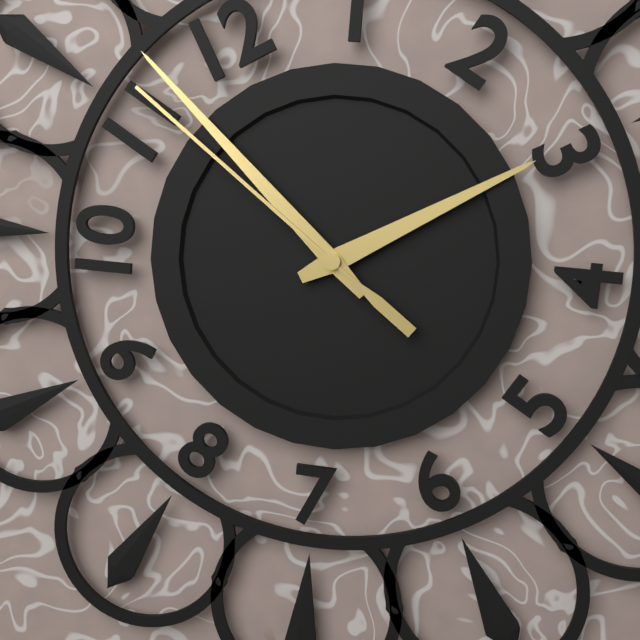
2:57:56
